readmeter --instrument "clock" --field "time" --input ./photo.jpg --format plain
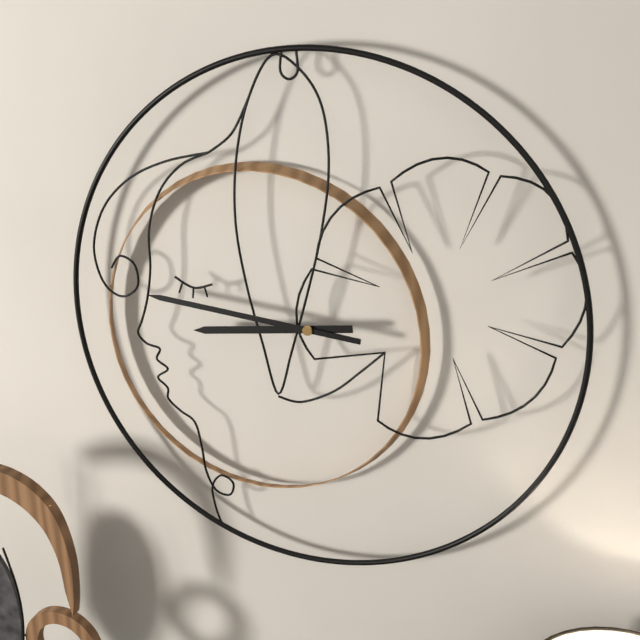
8:46
